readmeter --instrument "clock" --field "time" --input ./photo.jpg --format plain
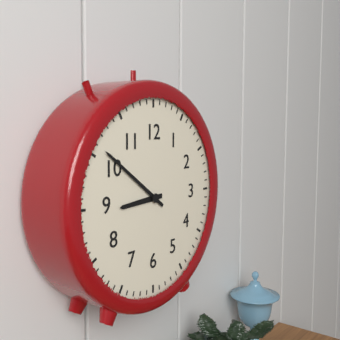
8:51
